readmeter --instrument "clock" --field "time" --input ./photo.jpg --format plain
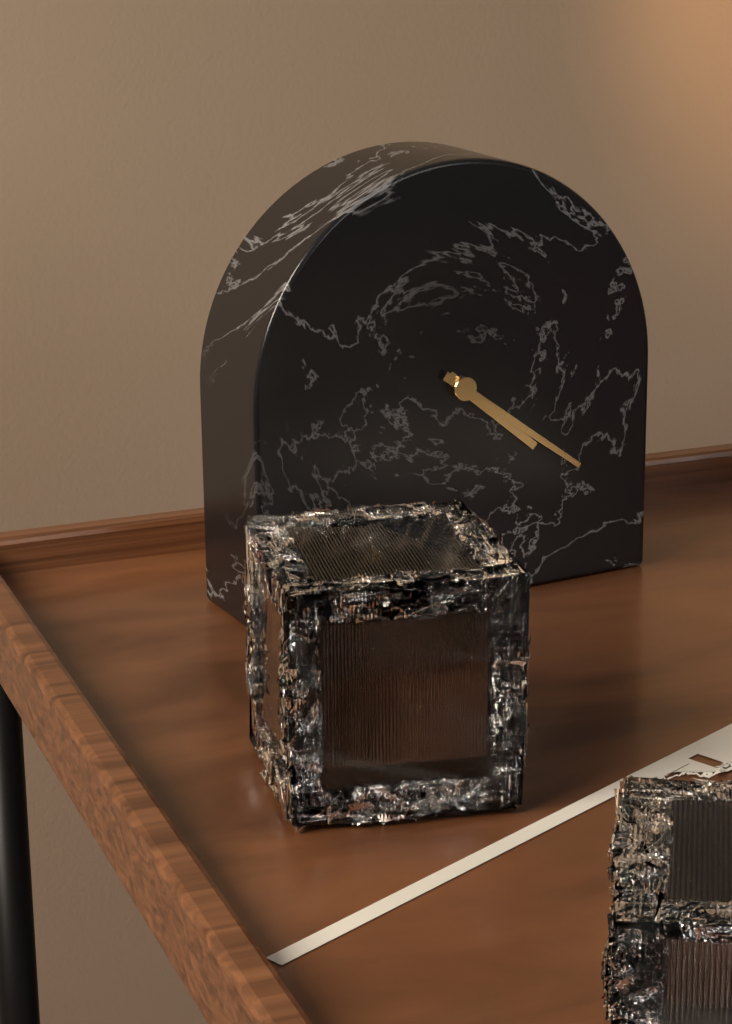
4:21
